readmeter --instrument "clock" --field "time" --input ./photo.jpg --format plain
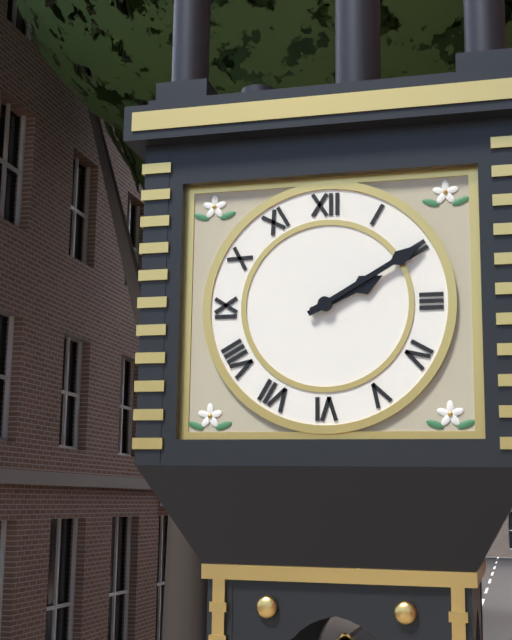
2:10
